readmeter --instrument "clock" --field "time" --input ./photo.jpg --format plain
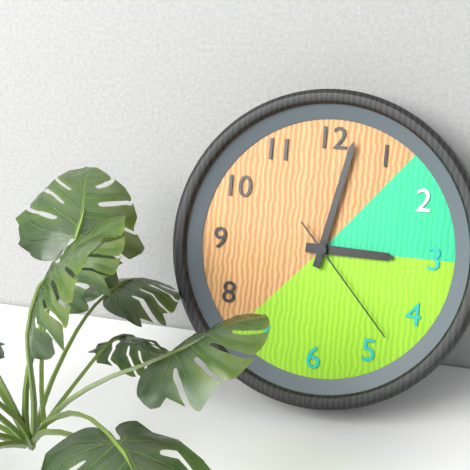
3:02:23
